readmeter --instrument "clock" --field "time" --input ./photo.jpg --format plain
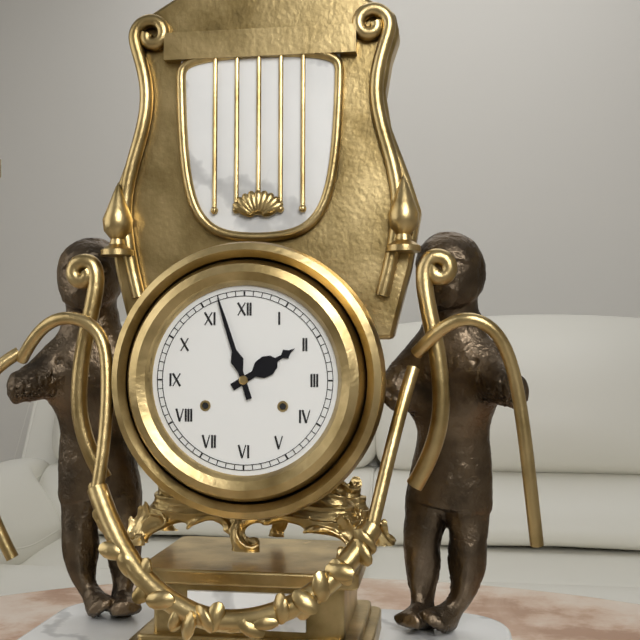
1:57
